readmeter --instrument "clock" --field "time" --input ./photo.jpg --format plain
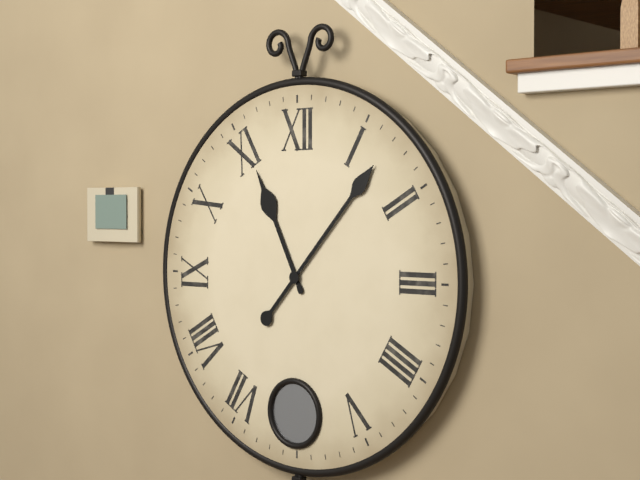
11:07
